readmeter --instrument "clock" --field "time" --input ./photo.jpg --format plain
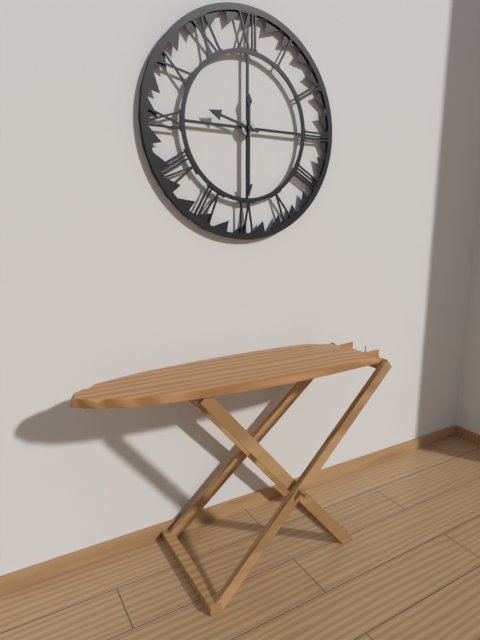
9:30
